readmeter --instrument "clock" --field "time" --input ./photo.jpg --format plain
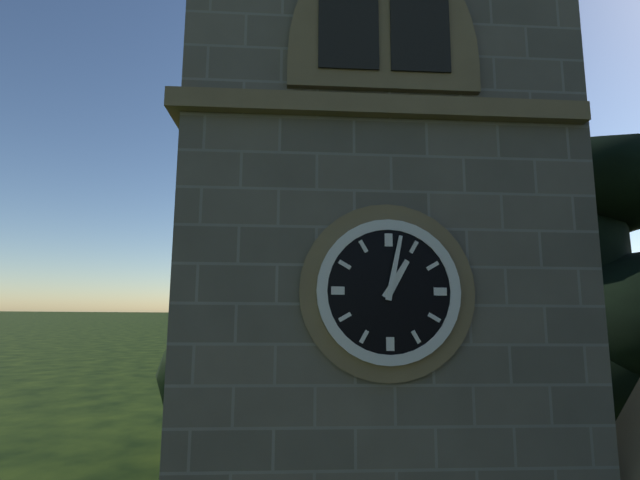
1:02
